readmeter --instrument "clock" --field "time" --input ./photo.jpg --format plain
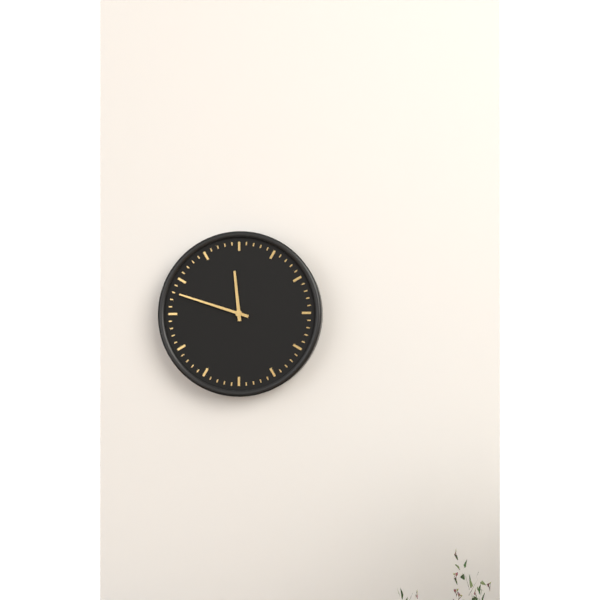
11:48
